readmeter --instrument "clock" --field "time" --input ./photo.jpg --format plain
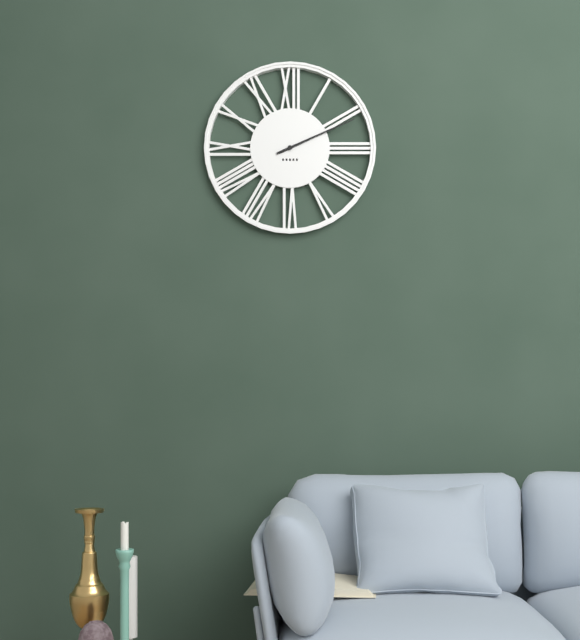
2:11
